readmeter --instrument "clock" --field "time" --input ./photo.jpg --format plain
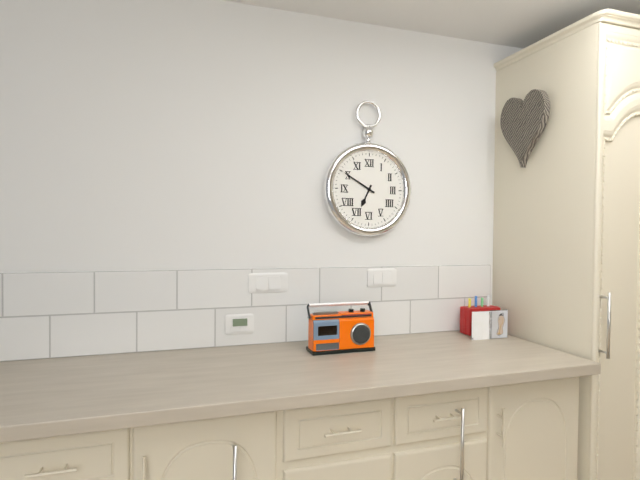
6:50
